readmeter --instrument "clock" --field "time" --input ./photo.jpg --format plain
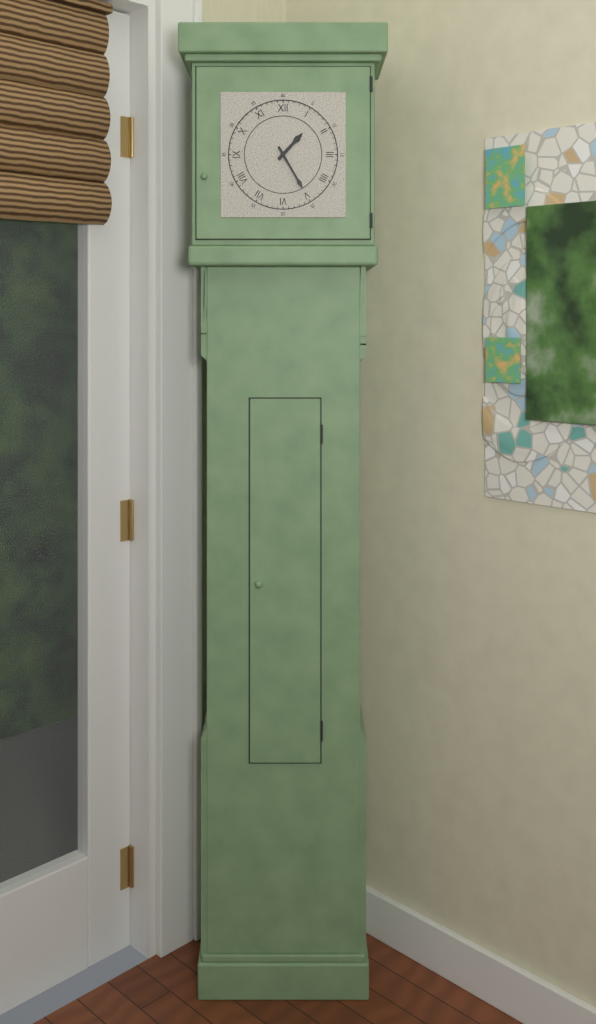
1:25
